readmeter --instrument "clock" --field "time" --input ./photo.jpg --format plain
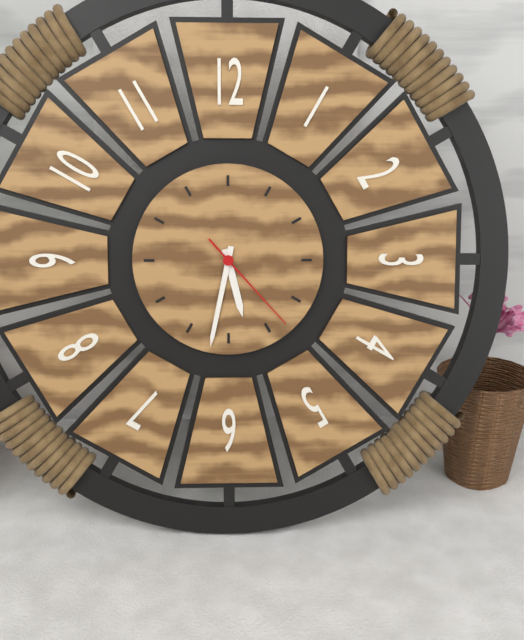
5:32:23
